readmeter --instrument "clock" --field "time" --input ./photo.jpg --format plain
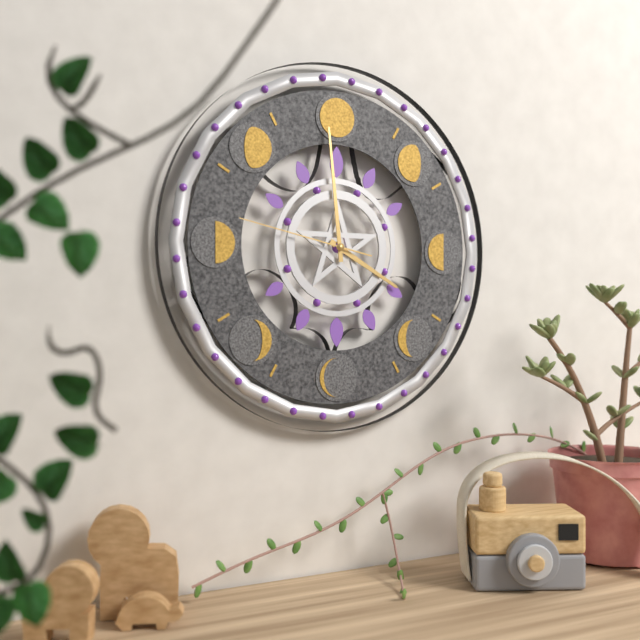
3:59:47
